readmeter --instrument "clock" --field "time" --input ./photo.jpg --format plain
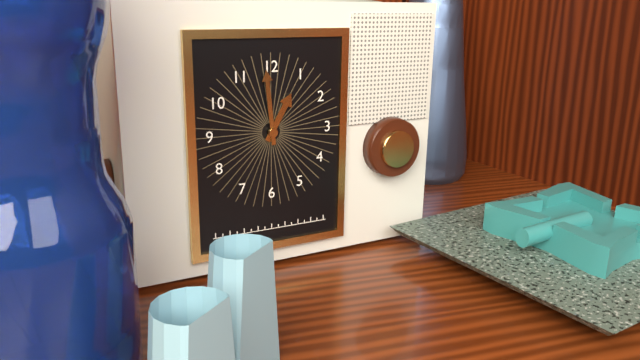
12:59
